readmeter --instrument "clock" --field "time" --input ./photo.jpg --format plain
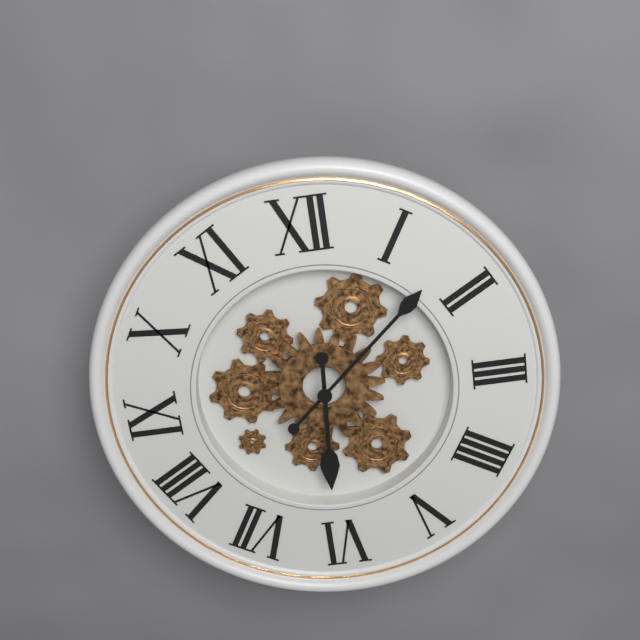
6:08
